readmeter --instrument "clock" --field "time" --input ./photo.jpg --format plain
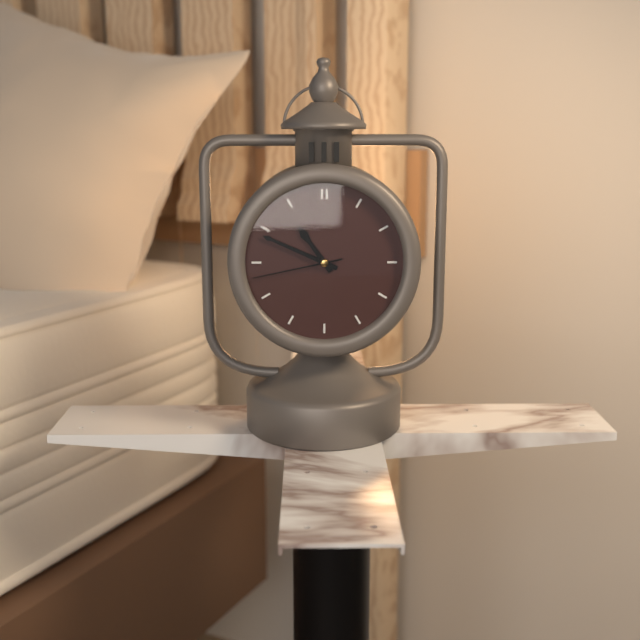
10:49:43
